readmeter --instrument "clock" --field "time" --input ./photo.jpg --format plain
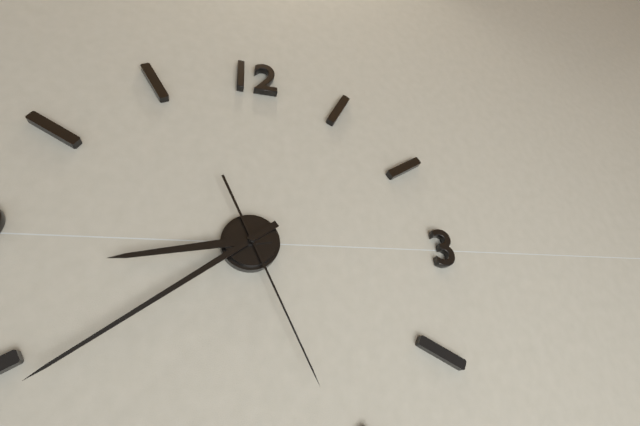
8:39:26
